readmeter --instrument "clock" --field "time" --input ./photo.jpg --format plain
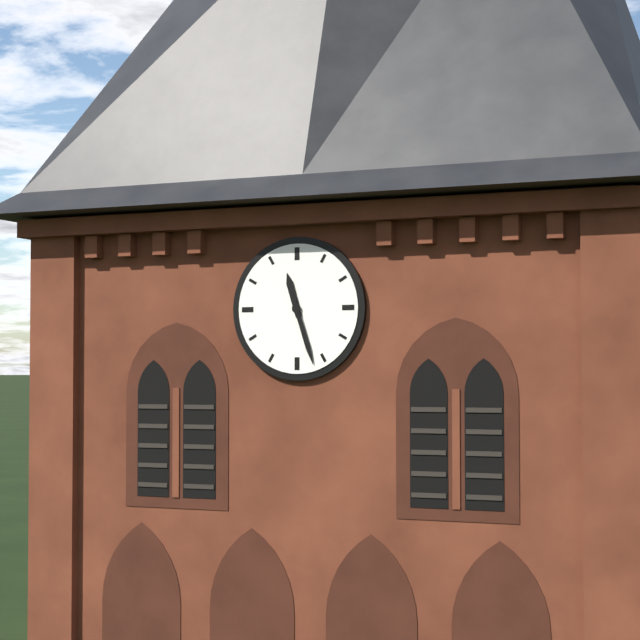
11:27
